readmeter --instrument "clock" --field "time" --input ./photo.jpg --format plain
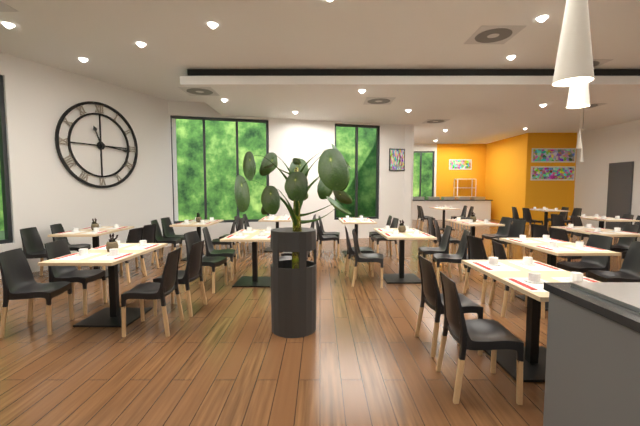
11:16
